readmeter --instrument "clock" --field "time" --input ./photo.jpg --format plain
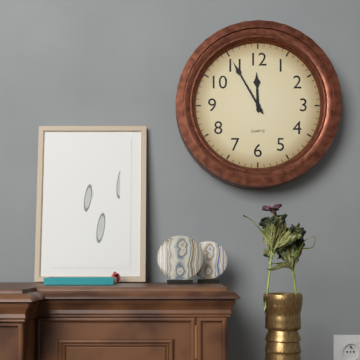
11:55
